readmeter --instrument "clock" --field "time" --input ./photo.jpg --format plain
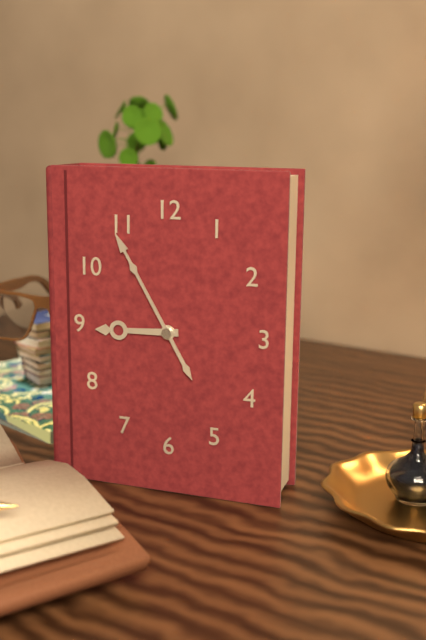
8:55
